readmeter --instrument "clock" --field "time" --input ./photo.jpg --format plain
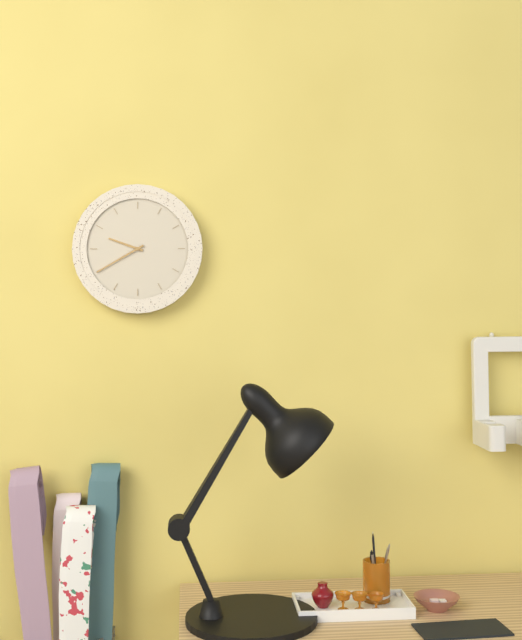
9:40
